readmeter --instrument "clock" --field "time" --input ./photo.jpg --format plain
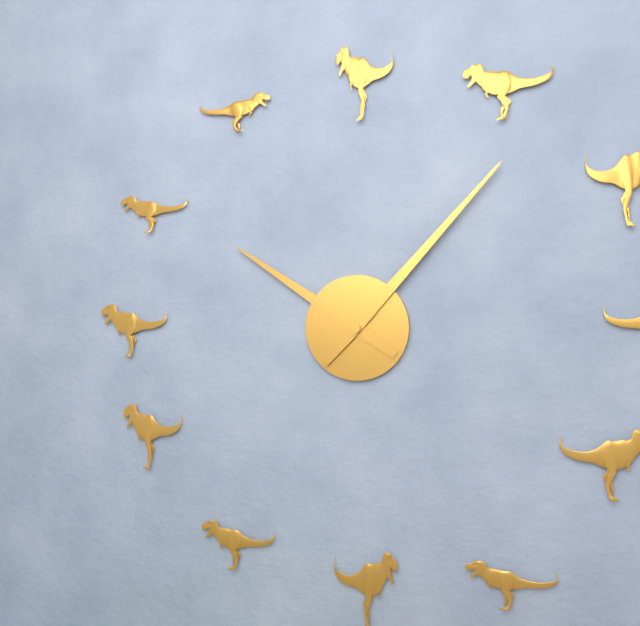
10:07
